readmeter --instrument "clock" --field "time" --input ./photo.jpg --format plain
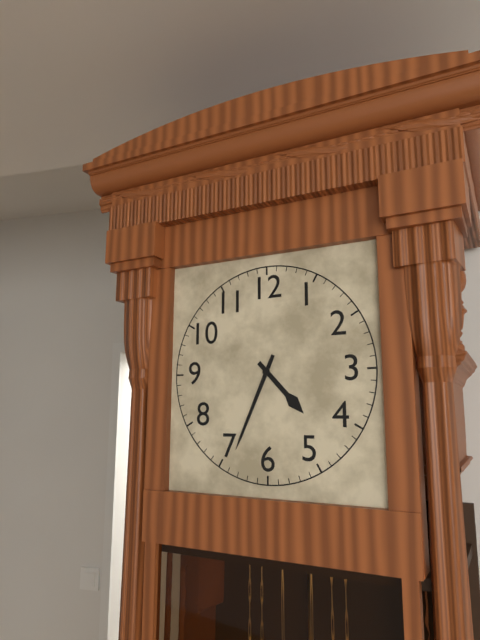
4:34
